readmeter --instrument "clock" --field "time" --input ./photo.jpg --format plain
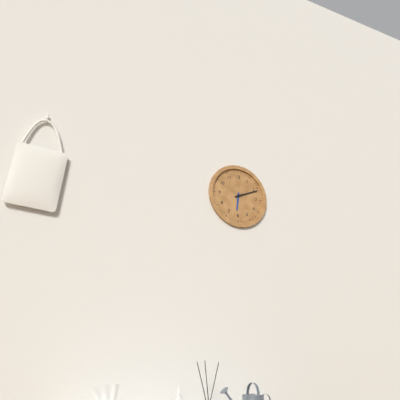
6:11
